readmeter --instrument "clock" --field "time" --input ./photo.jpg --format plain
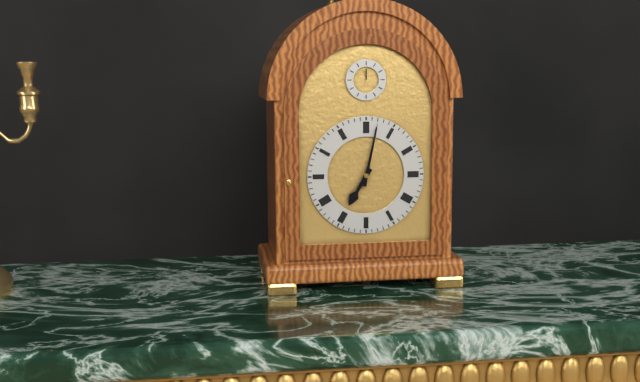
7:02
